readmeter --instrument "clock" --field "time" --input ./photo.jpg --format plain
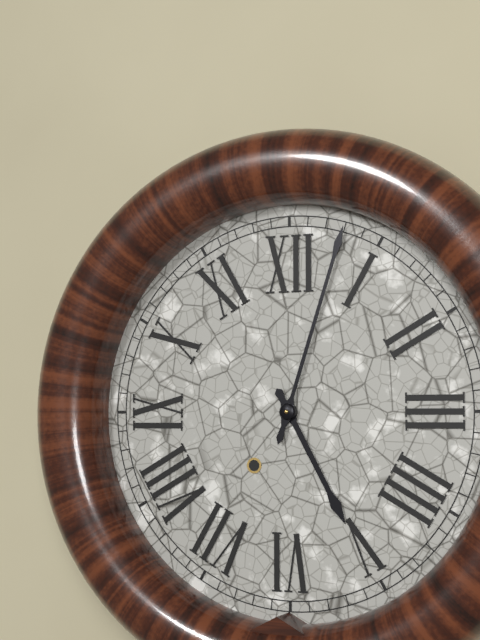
5:03
